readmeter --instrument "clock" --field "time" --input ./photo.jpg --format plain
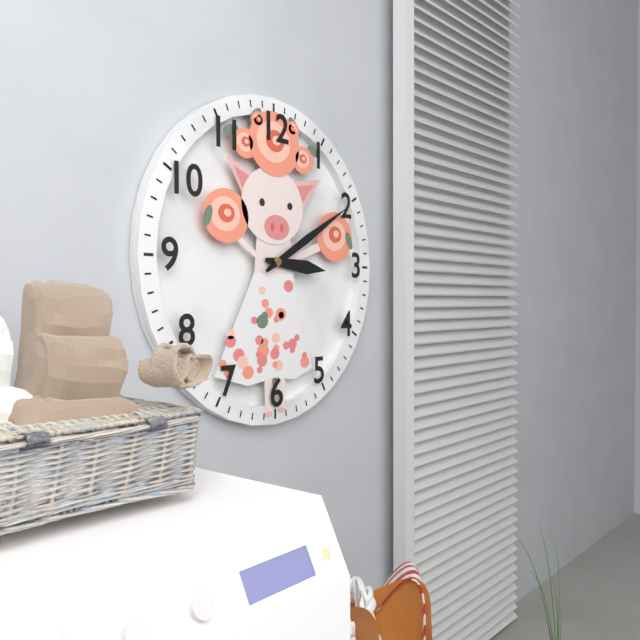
3:10
